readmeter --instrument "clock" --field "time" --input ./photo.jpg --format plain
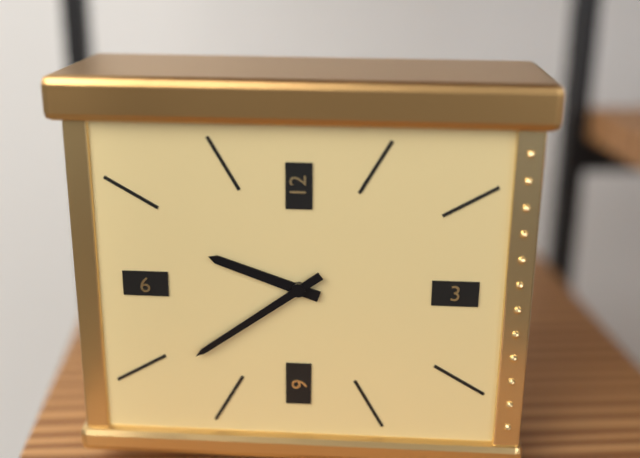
9:39
